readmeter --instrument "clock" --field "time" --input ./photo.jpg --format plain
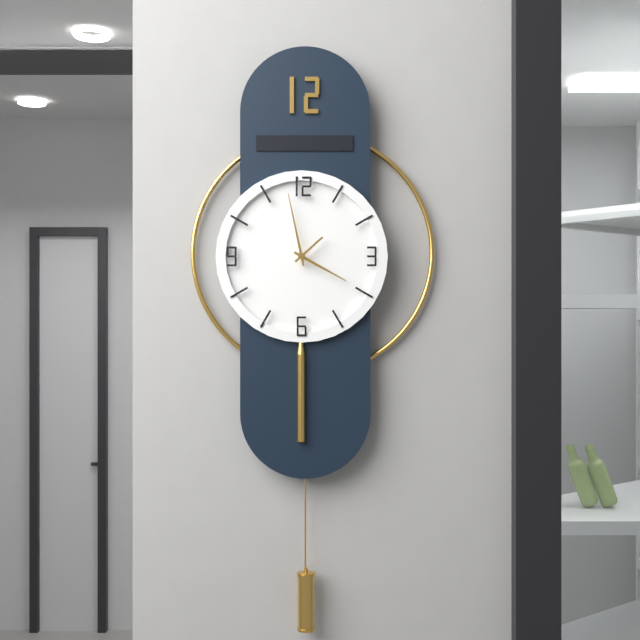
3:58
